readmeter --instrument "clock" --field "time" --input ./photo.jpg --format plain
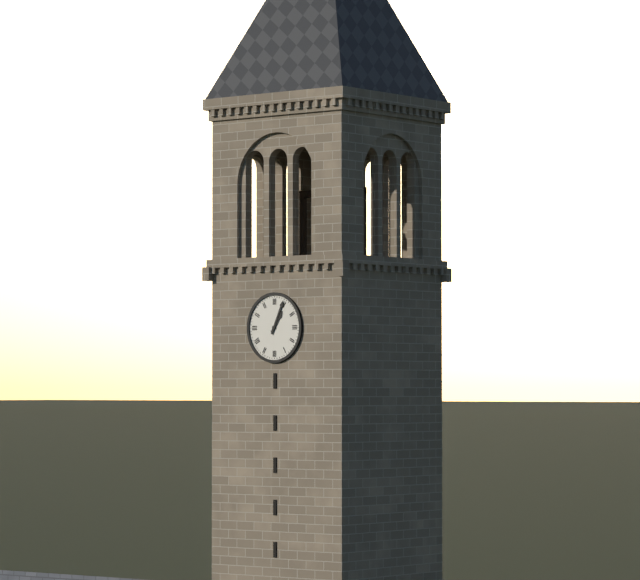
1:04
